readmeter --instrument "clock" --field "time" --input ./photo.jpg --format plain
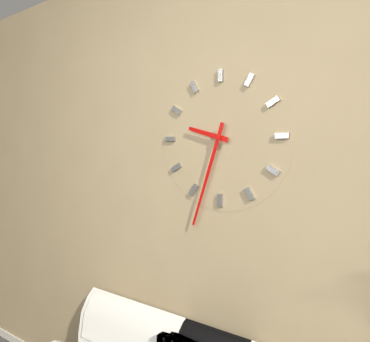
9:33
